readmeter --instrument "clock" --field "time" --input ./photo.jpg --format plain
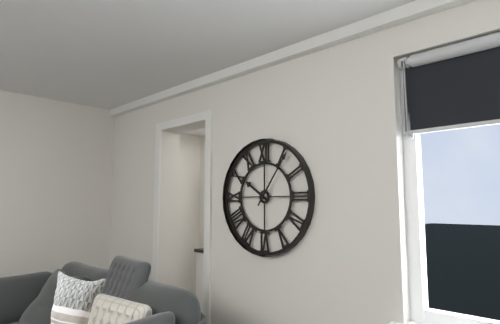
10:06
